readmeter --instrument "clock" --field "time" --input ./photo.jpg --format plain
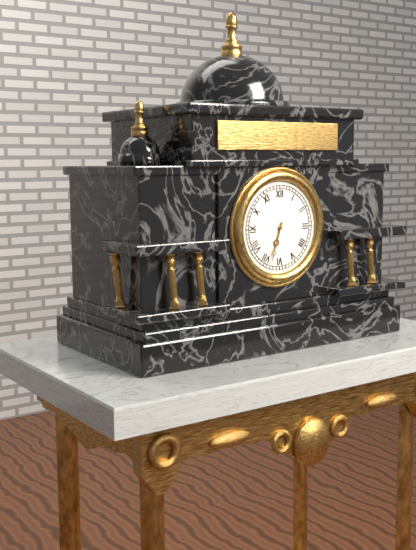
6:33
